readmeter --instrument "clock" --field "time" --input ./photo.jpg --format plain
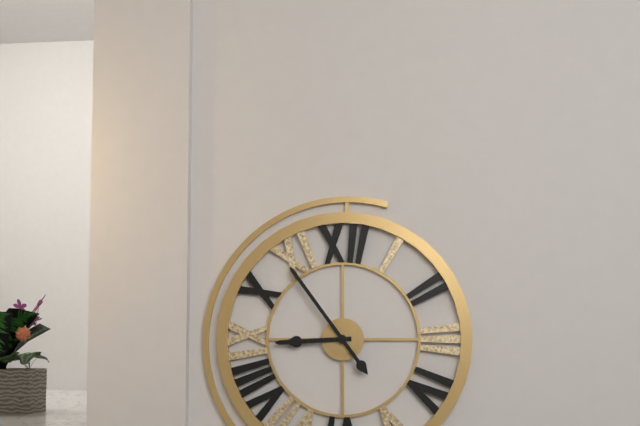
8:54
